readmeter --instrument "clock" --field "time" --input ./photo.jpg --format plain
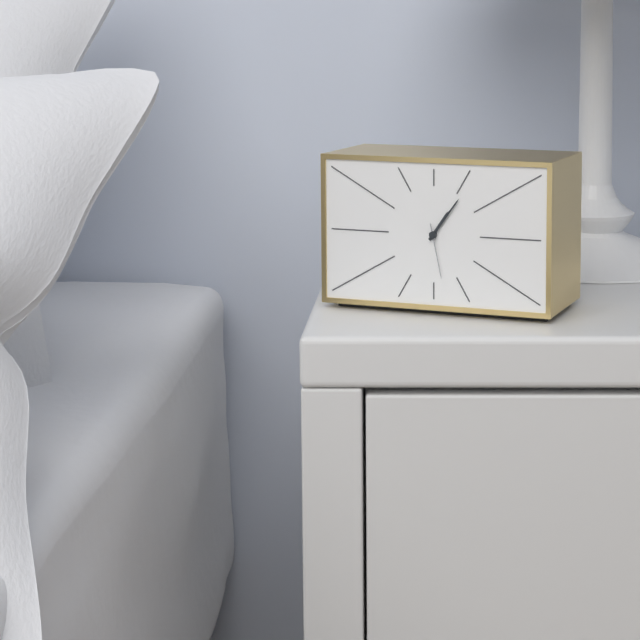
1:06:28
